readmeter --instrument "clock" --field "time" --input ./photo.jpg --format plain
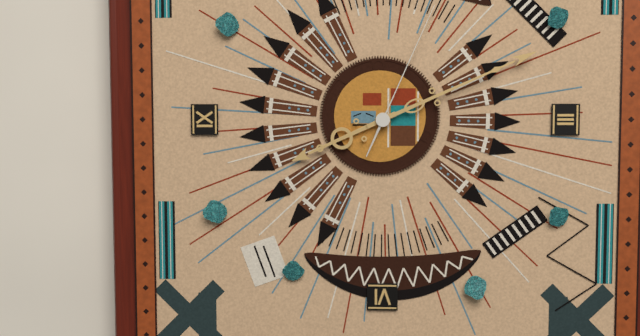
8:11:04
